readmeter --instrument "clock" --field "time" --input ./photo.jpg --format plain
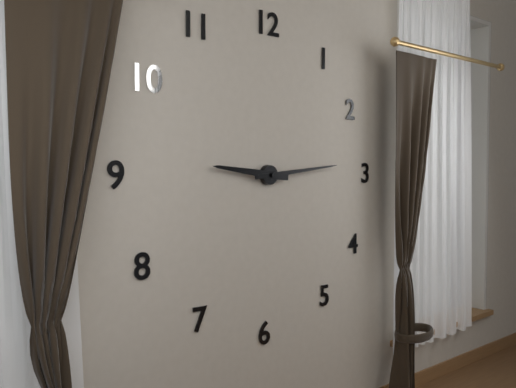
9:14
